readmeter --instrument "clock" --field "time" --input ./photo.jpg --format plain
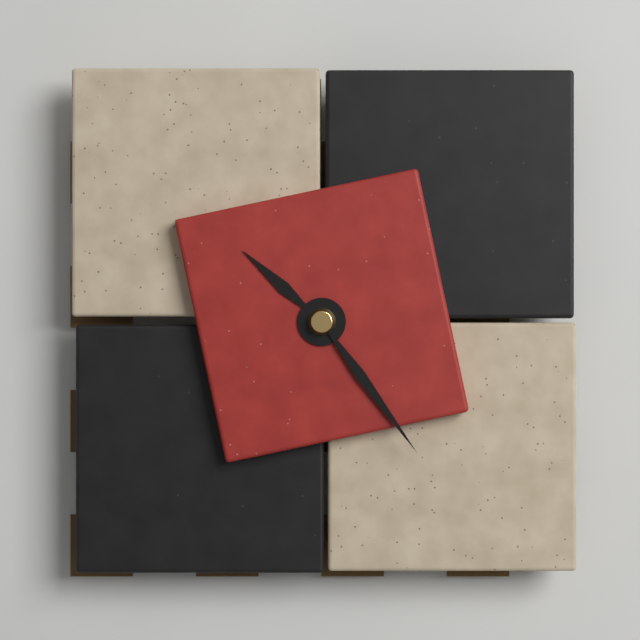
10:24
